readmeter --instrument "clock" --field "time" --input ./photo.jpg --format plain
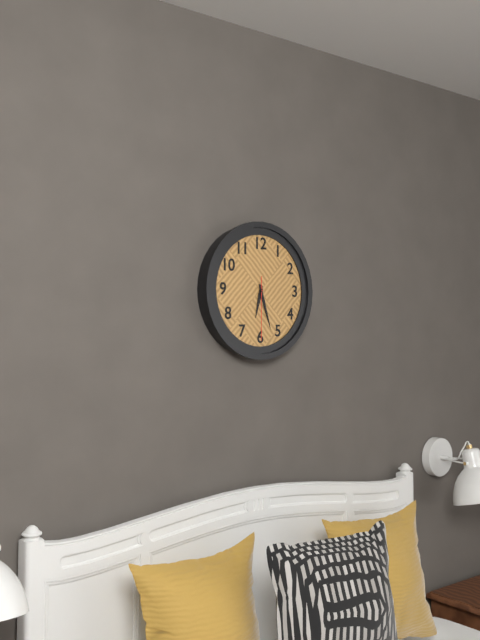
6:27:30
